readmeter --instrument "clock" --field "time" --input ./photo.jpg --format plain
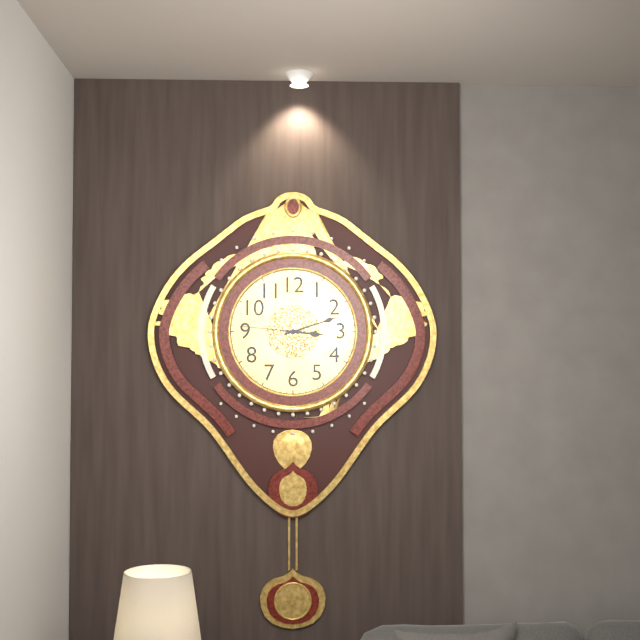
3:12:46
